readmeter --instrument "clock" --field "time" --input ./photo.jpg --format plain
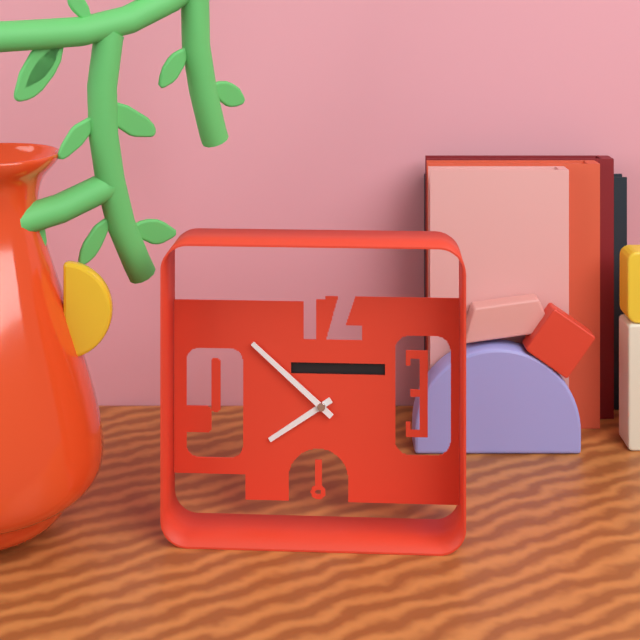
7:52
